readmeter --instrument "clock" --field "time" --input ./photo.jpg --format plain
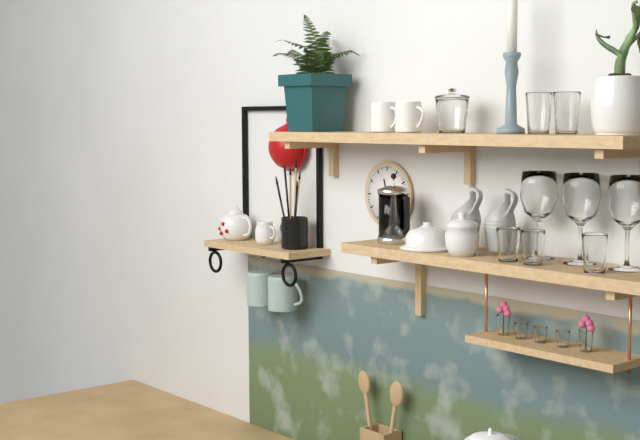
11:28
